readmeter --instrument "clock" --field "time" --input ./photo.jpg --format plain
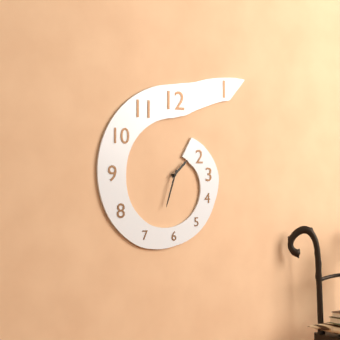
1:33
